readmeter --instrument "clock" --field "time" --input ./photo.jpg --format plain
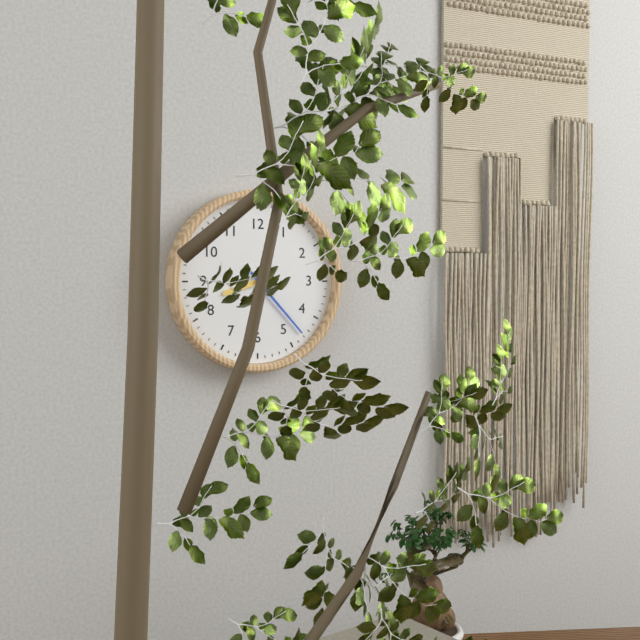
8:23
